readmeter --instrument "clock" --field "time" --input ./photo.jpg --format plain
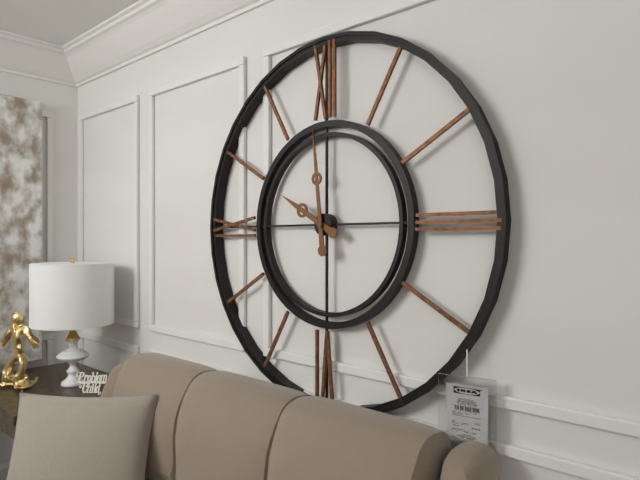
9:59
